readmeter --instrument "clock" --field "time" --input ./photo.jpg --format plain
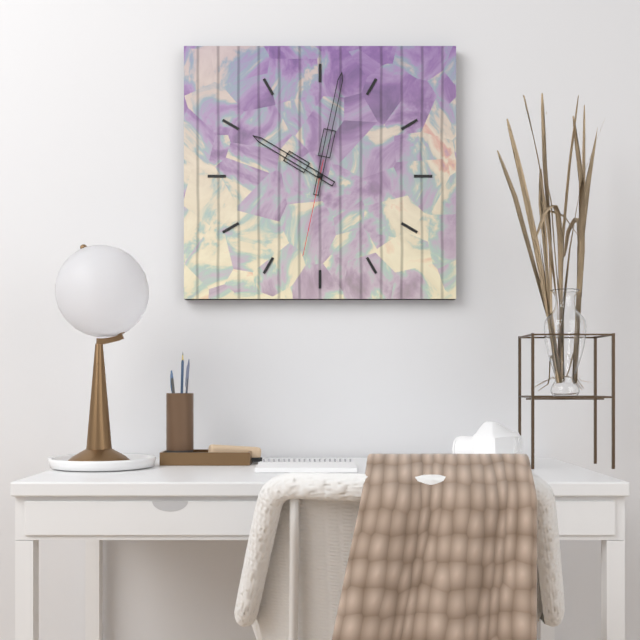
10:02:32
